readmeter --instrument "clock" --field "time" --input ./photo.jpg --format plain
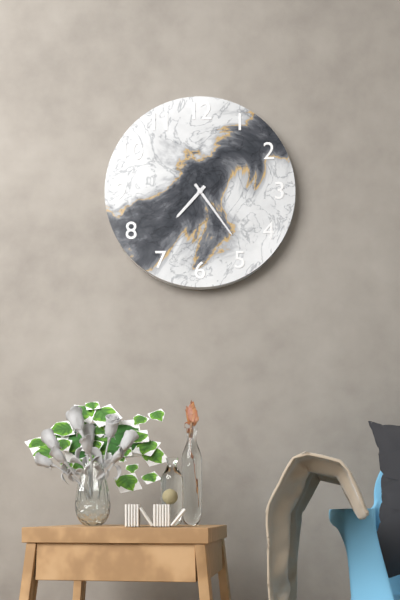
7:24
